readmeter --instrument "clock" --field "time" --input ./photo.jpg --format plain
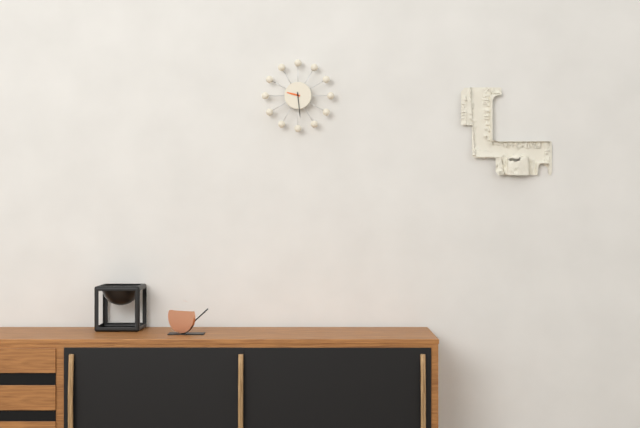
9:29
